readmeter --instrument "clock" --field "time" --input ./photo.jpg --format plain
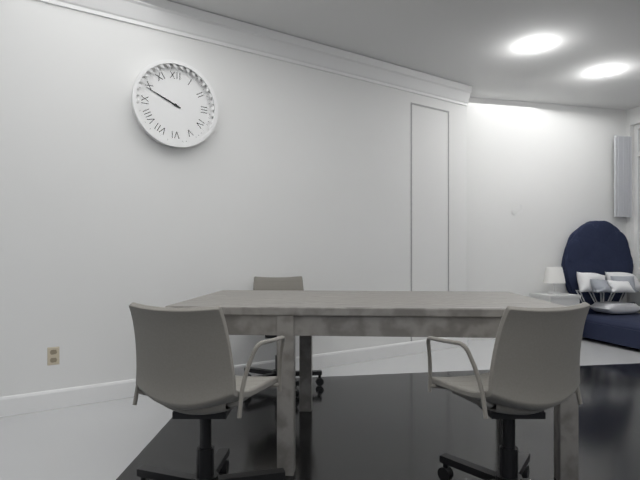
9:49
